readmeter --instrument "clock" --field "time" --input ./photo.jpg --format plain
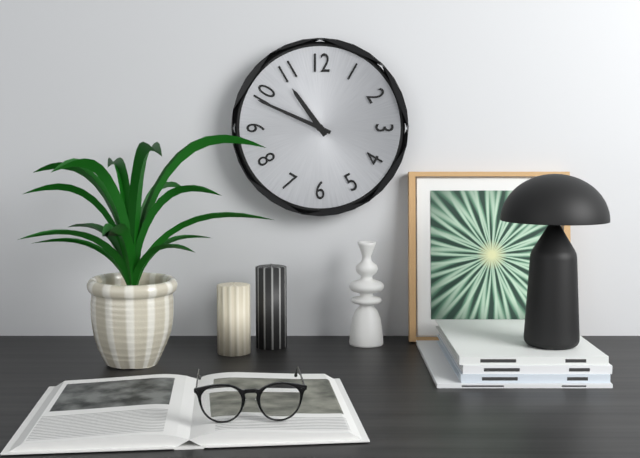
10:49
